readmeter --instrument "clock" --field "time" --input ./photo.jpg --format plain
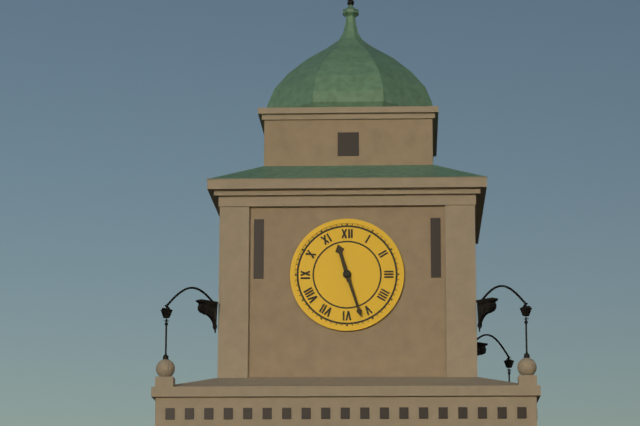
11:27
